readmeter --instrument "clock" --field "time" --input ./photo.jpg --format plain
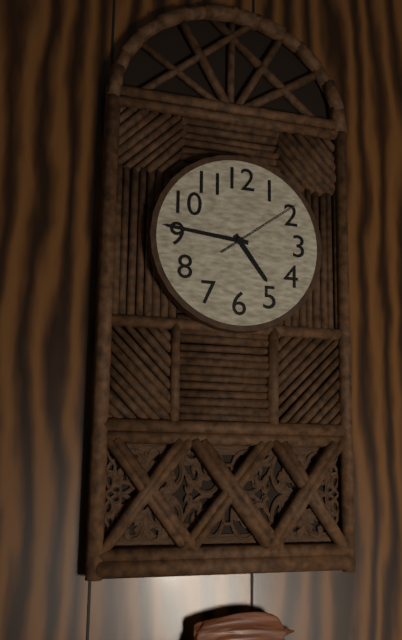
4:46:09
